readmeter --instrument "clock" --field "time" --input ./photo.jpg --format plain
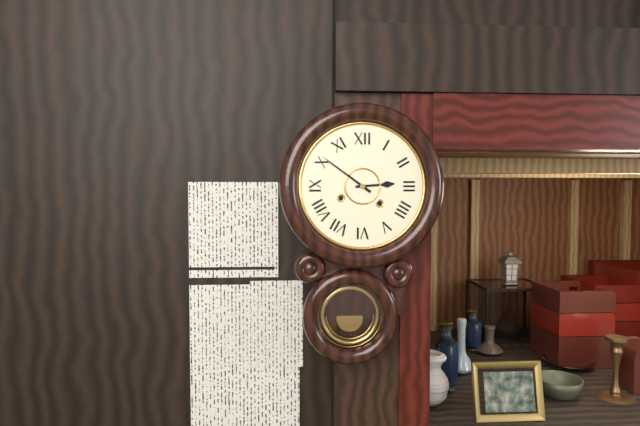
2:51
